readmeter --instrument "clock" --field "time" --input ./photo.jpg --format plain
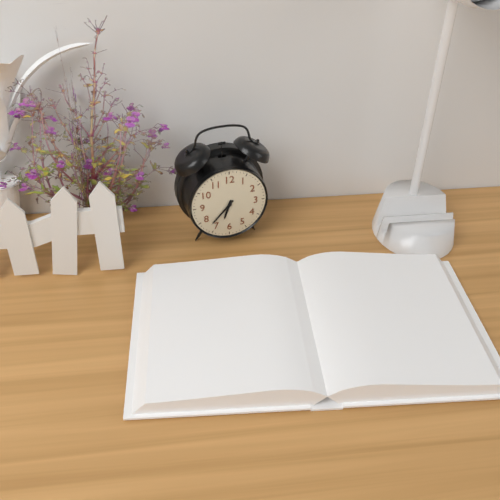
6:37
